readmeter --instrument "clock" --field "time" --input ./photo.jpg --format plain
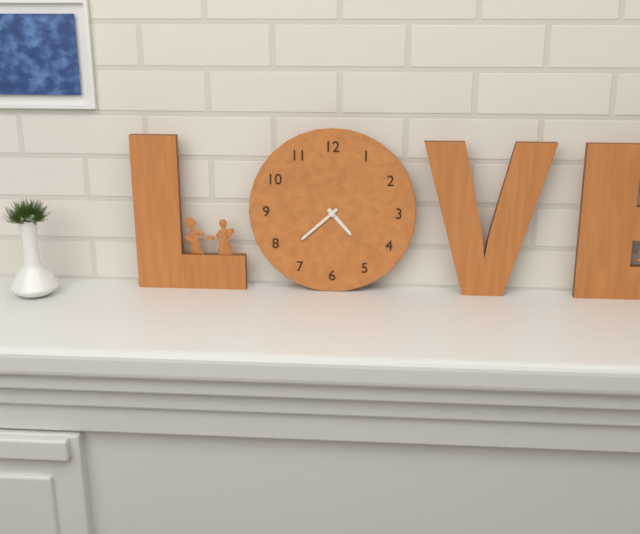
4:38
